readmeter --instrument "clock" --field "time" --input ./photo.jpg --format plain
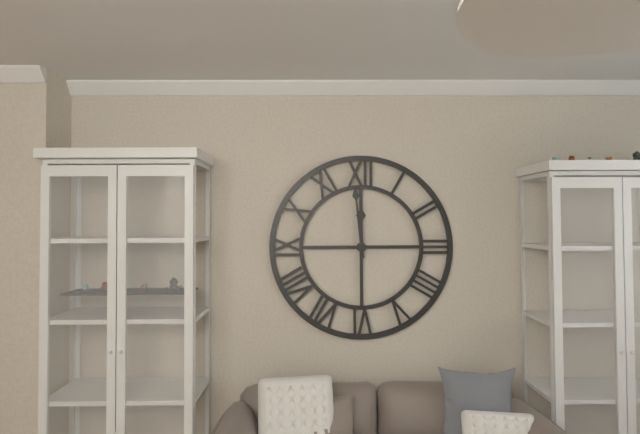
11:59
